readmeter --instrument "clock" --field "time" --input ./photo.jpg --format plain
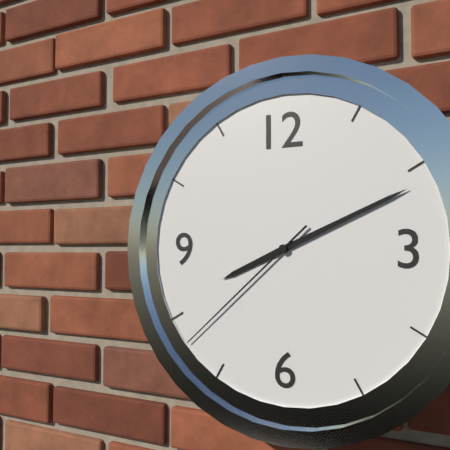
8:11:38
